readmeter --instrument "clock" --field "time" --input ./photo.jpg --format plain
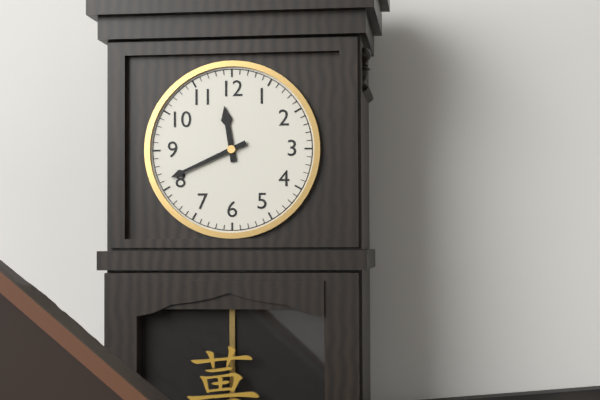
11:41
